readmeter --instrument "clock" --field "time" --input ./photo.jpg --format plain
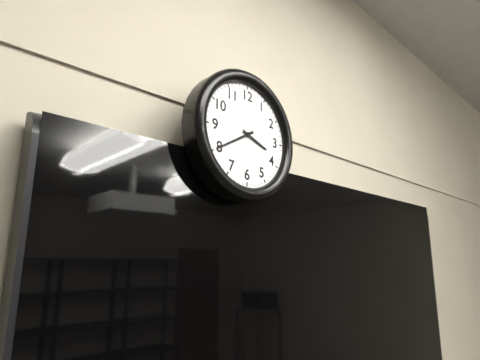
3:40
